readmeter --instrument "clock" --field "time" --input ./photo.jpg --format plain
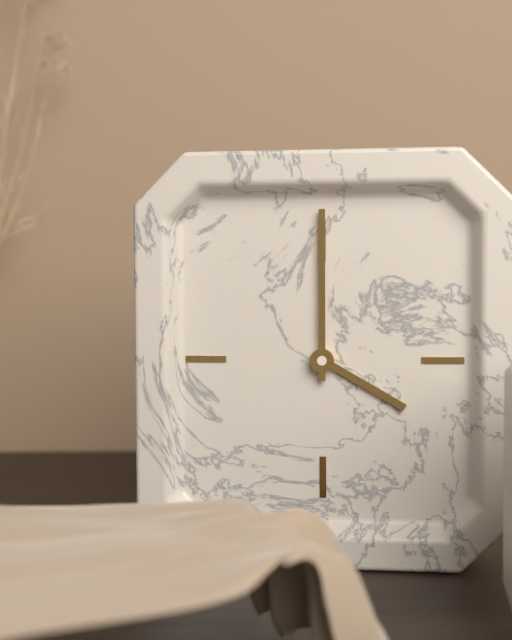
4:00
